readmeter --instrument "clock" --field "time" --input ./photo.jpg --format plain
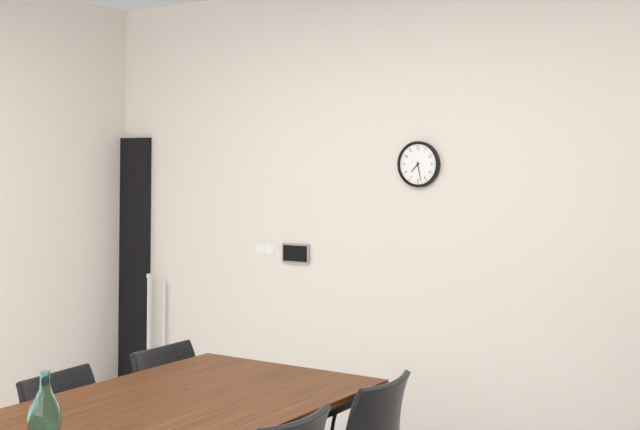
7:28
